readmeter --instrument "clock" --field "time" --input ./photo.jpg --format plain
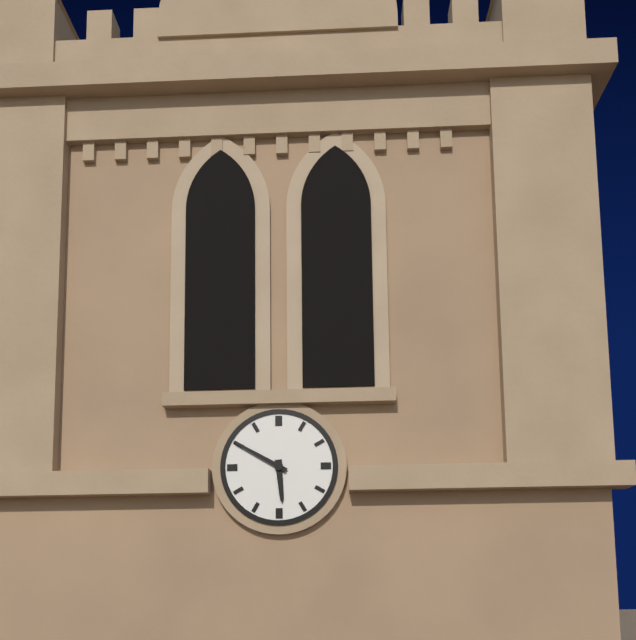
5:50
